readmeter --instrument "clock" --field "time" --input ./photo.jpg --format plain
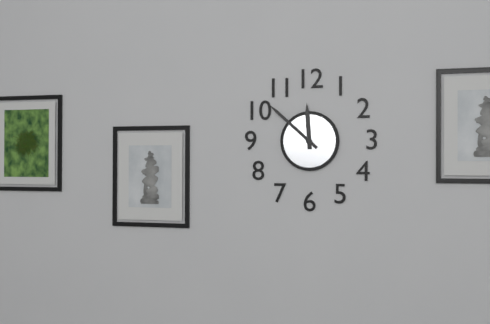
11:52
